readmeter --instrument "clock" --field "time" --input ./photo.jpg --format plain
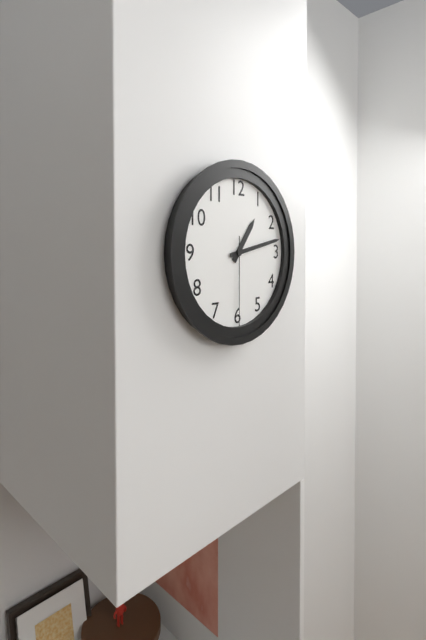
1:13:30
